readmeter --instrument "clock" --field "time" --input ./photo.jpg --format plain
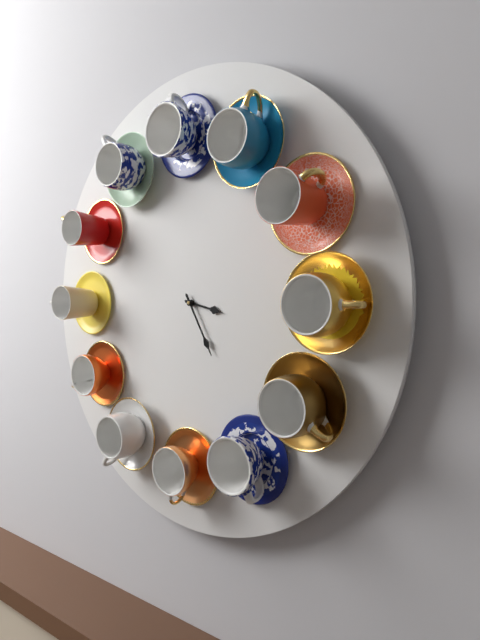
3:25
